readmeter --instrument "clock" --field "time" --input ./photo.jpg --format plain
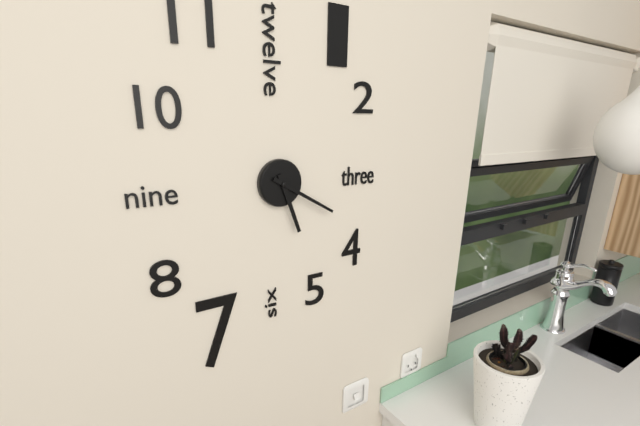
5:20
